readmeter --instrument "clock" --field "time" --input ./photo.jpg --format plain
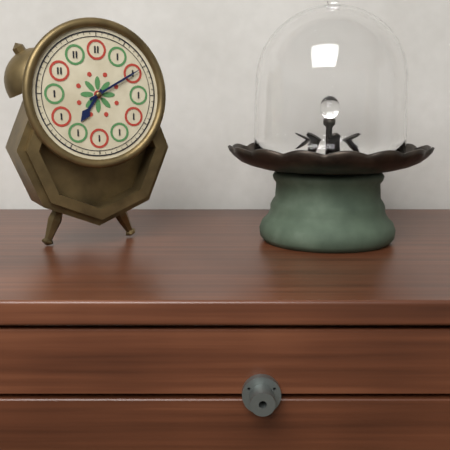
7:10
